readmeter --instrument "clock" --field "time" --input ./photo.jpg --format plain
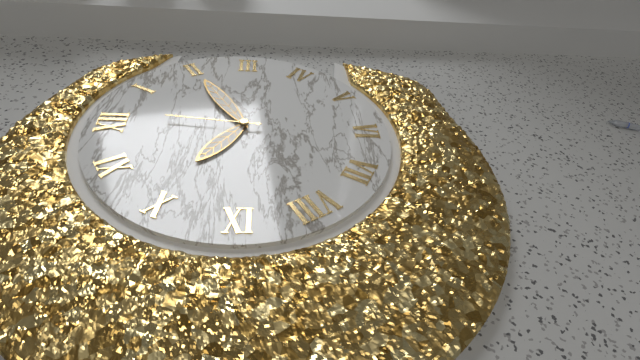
10:10:01
